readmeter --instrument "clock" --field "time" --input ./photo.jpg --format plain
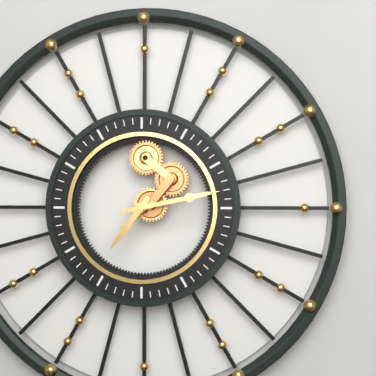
7:13
